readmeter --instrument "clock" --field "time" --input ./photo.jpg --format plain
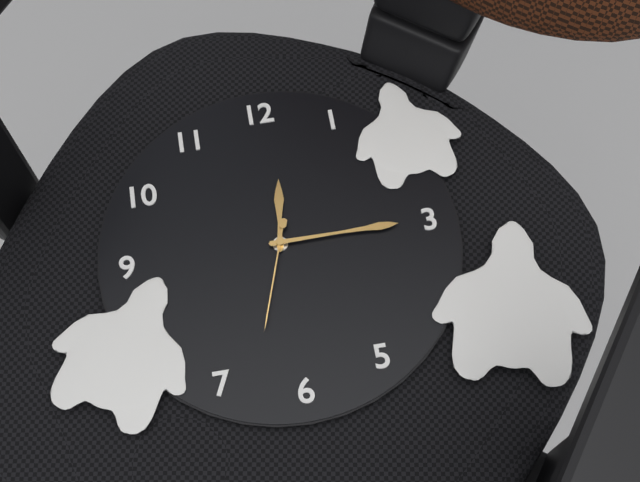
12:15:33
